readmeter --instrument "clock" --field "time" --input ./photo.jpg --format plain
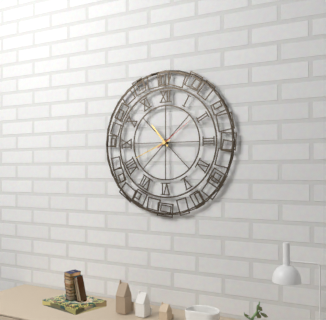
10:41
